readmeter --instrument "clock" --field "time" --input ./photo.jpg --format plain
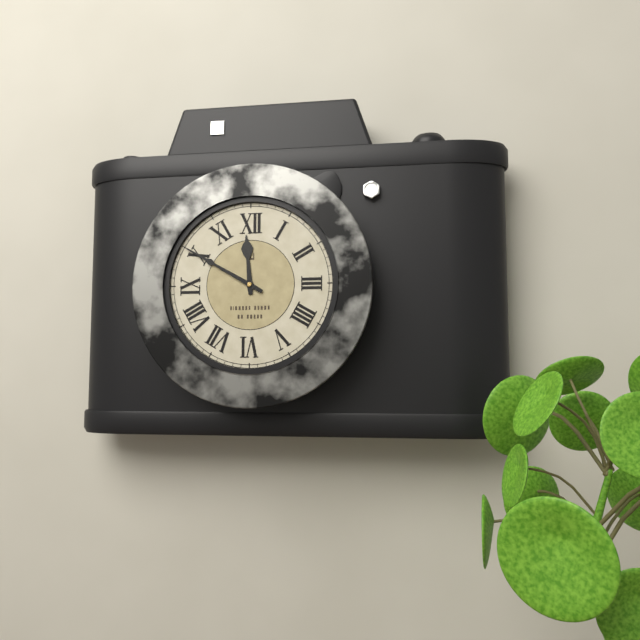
11:50
